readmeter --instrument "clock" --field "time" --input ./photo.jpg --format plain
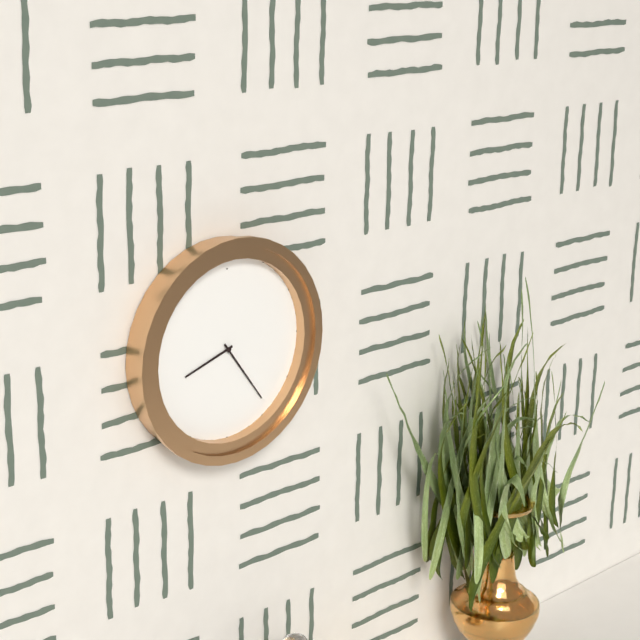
8:24
